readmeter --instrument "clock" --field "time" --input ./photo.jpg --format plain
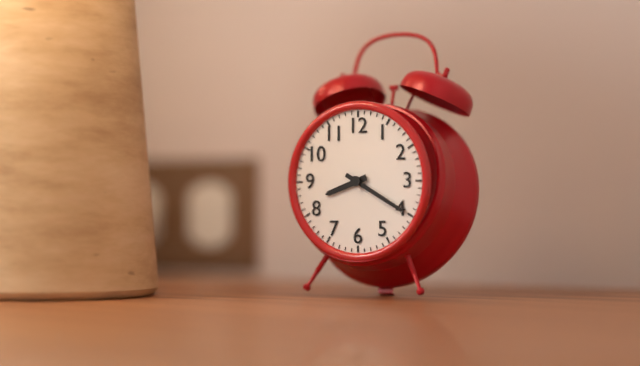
8:20
